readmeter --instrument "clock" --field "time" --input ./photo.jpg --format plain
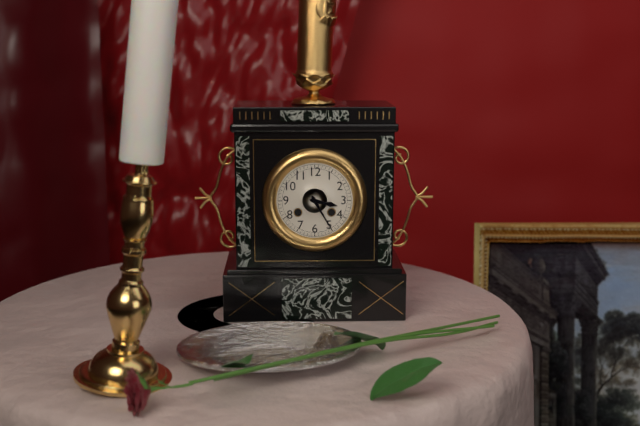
3:25
